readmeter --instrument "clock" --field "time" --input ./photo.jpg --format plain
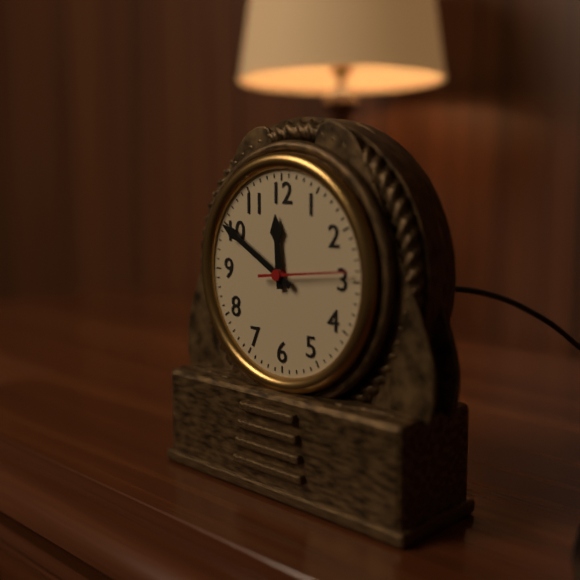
11:50
